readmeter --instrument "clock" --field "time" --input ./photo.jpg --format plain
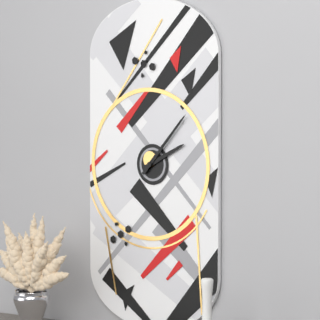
2:07
